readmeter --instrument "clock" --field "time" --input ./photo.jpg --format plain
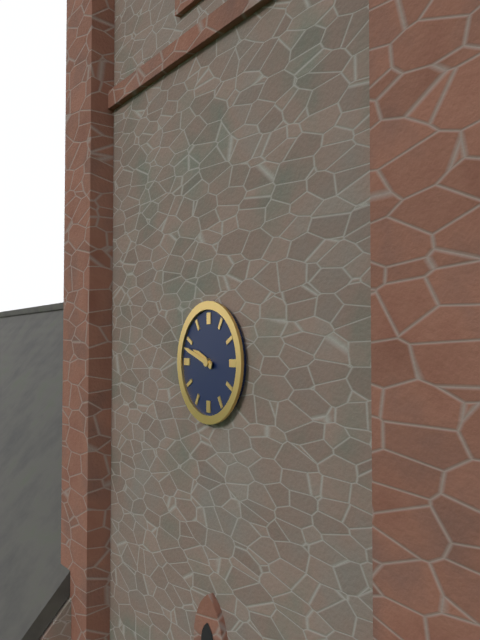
9:48
